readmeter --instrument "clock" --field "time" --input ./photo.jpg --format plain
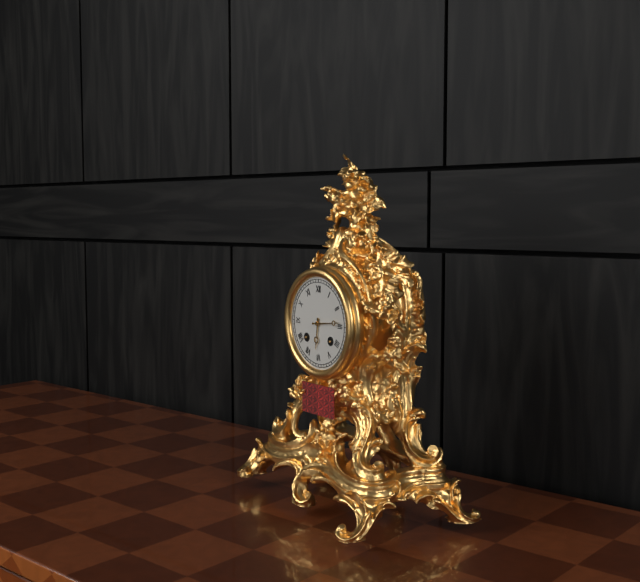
6:14
